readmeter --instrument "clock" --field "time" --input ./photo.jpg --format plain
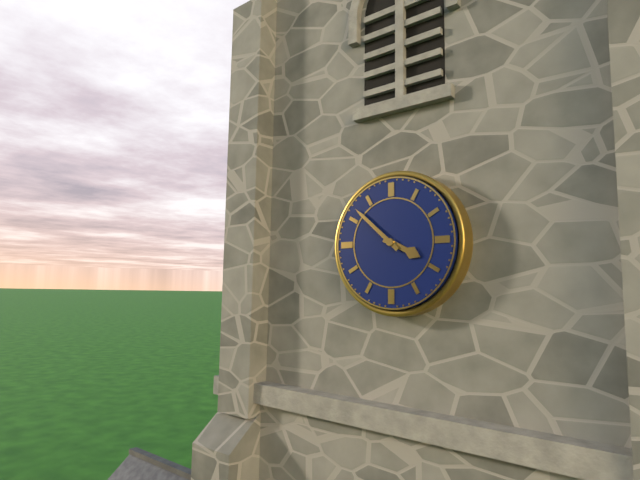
3:52
